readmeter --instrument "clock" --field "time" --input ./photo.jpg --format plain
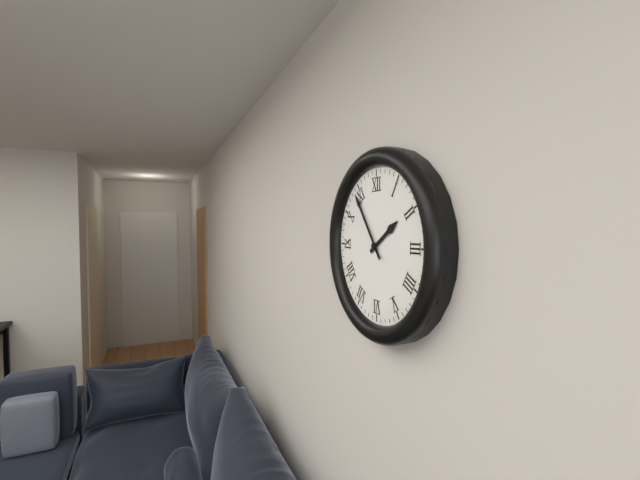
1:54
